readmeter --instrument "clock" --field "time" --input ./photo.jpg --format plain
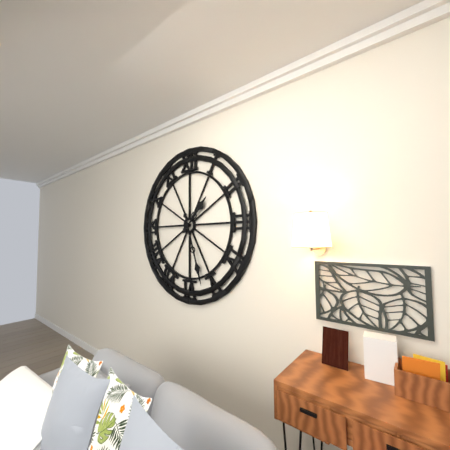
1:27
